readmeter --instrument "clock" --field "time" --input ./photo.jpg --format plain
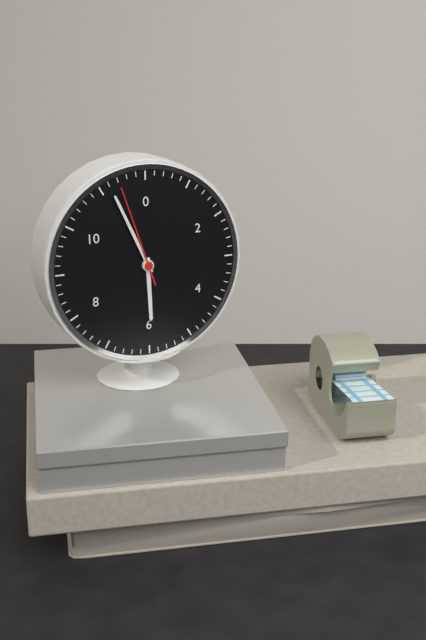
5:56:57
